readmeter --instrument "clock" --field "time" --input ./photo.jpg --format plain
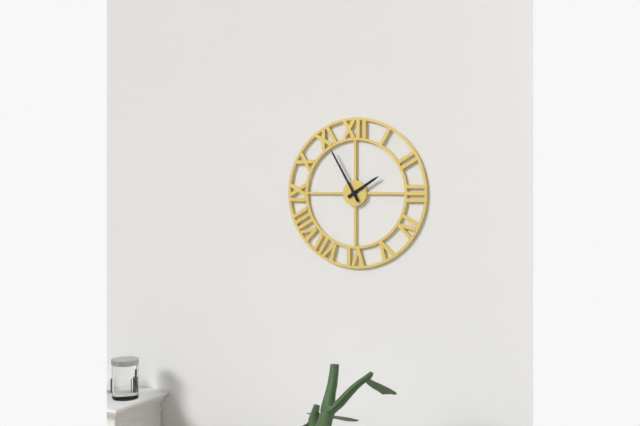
1:55
